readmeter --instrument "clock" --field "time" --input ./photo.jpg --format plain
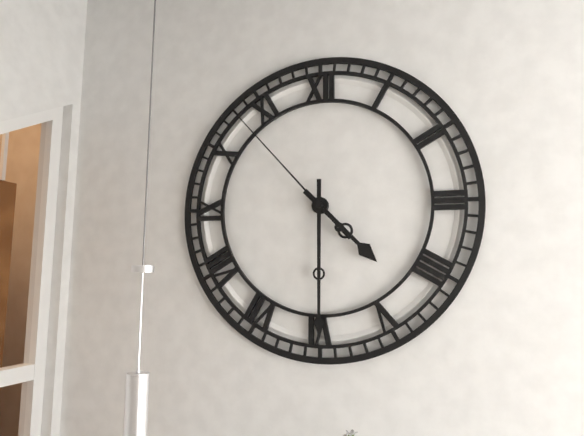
4:30:53
